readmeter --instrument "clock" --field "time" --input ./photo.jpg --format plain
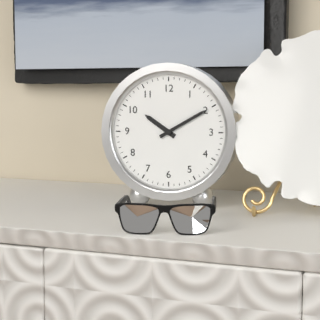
10:10
